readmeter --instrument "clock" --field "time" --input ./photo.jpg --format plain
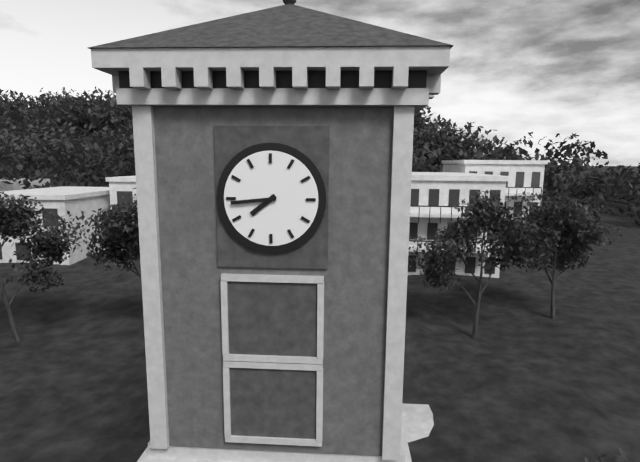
7:44
